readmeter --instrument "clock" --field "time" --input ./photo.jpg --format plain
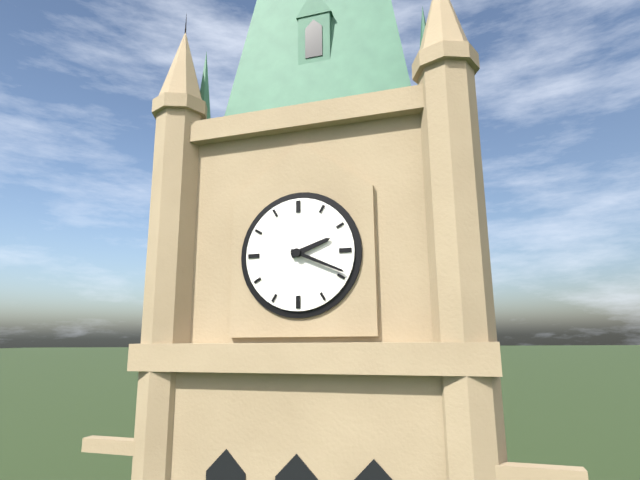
2:19
